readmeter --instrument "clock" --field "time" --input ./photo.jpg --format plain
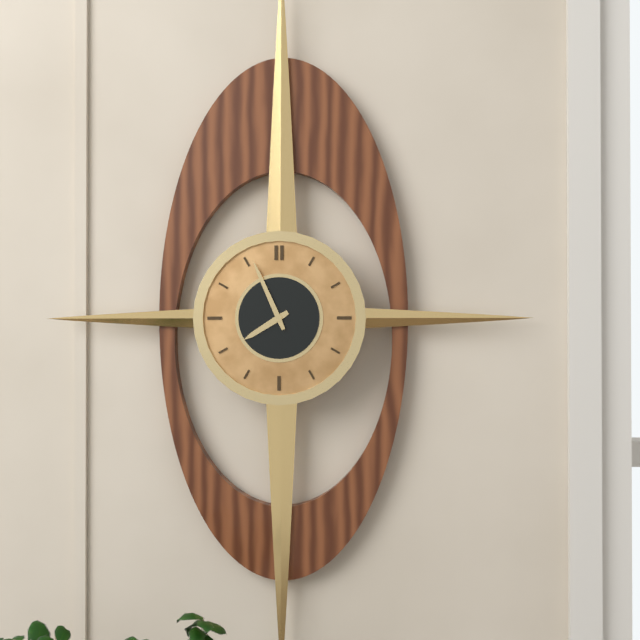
7:56
